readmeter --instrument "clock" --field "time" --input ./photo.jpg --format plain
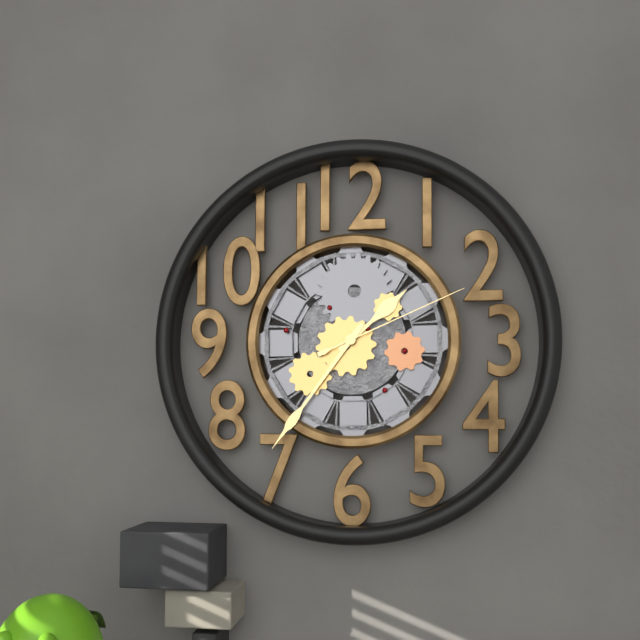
1:36:11
